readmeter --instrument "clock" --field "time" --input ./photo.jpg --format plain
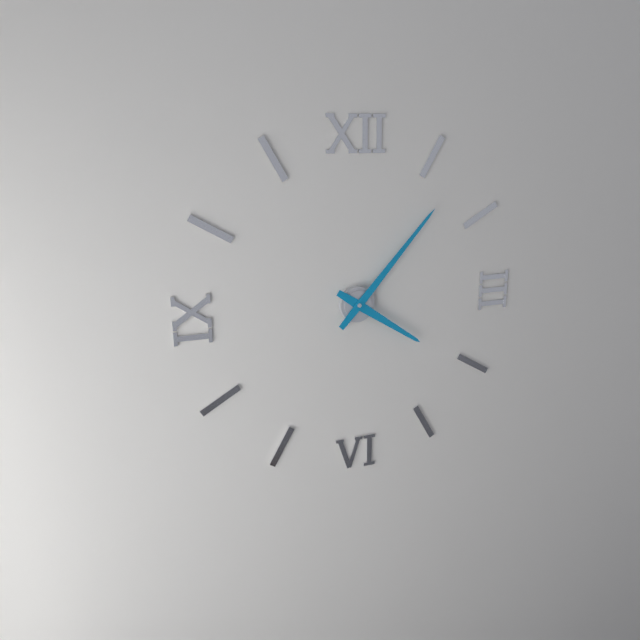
4:07
